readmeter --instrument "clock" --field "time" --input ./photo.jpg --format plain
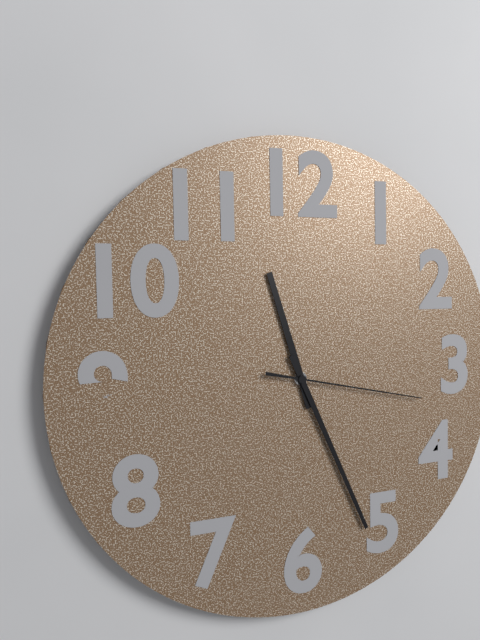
11:26:17
